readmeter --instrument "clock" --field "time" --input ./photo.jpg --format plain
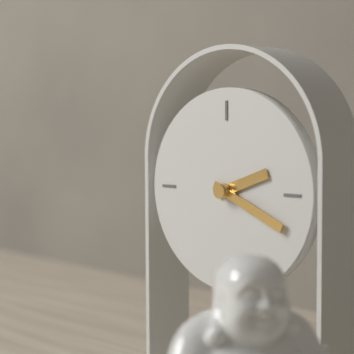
2:19
